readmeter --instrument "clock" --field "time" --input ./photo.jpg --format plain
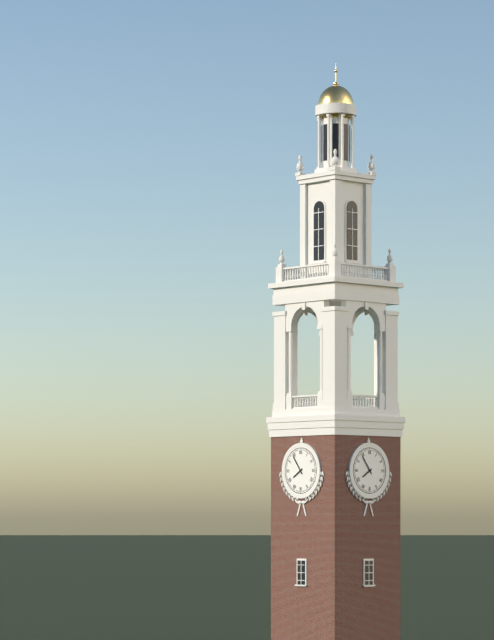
7:54
